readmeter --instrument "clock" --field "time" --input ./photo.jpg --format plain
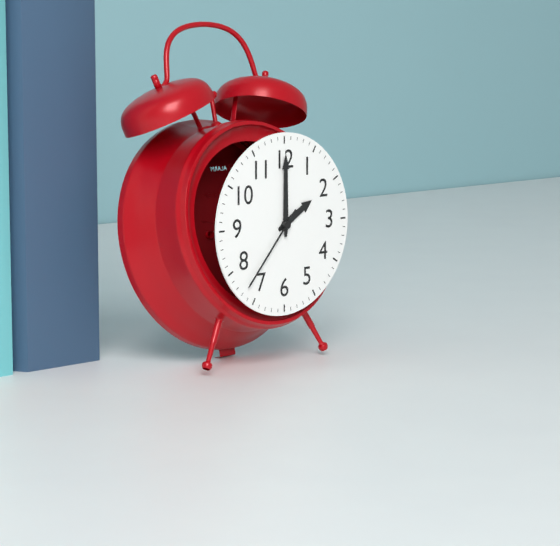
2:00:37
